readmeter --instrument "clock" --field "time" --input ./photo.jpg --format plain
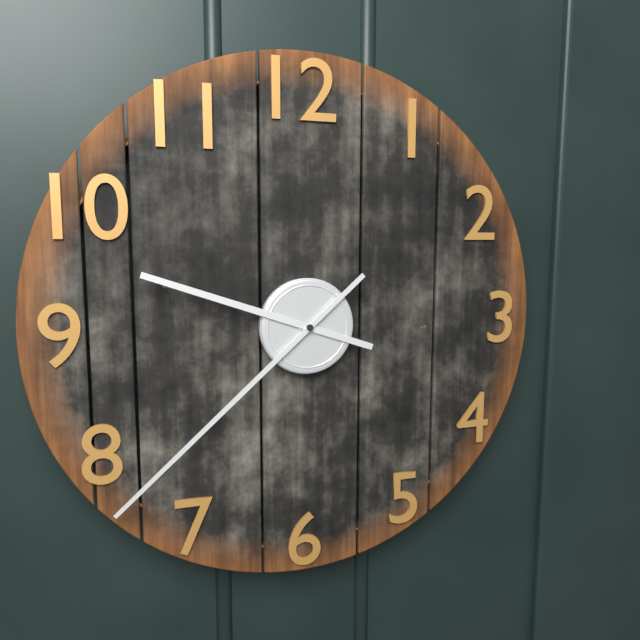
9:38
